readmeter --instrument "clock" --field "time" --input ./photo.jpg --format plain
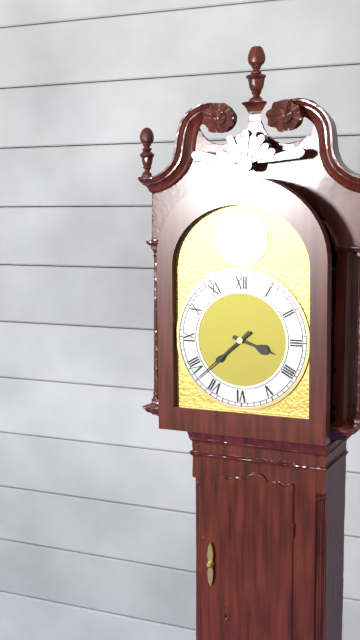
3:38
